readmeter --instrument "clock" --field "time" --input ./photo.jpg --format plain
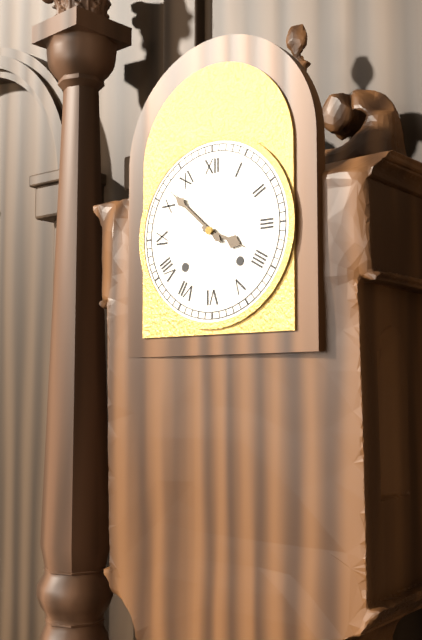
3:52
